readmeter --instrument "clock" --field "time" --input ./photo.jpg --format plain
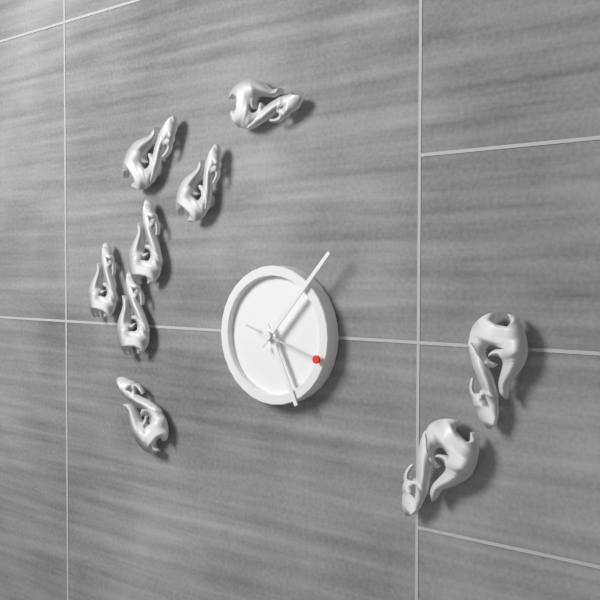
5:07:18
